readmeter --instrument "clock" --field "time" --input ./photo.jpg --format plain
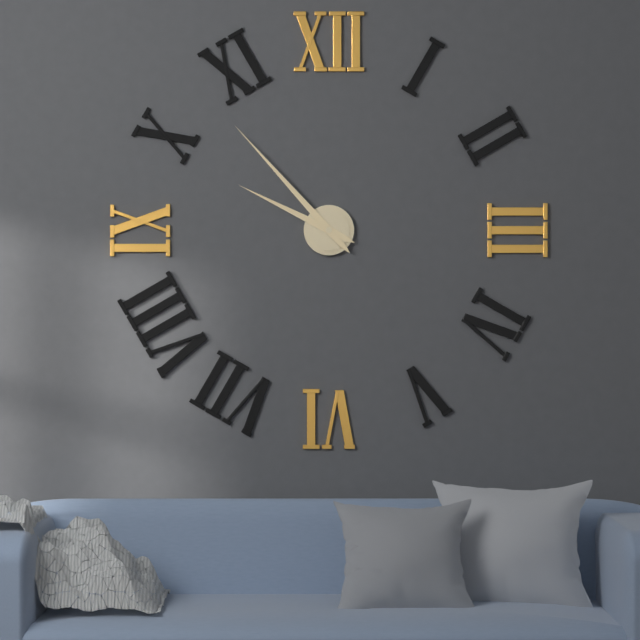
9:53
